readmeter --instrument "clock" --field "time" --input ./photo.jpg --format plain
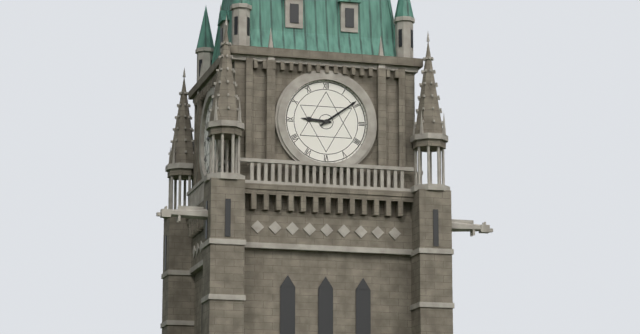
9:09
